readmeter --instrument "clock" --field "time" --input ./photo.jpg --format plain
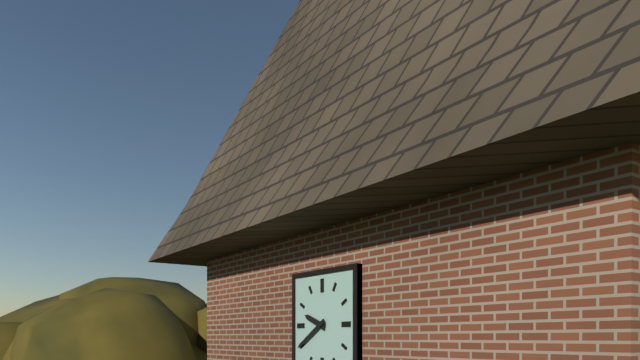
9:40
